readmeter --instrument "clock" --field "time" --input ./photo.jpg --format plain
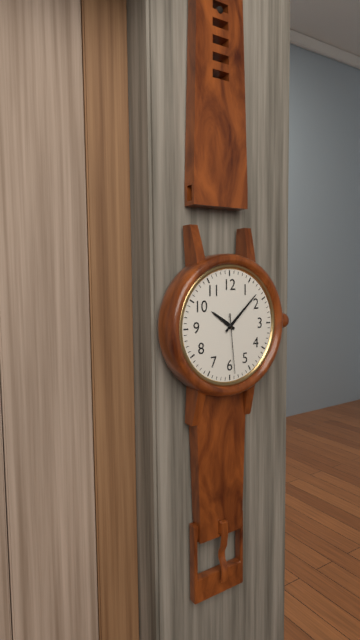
10:08:29
